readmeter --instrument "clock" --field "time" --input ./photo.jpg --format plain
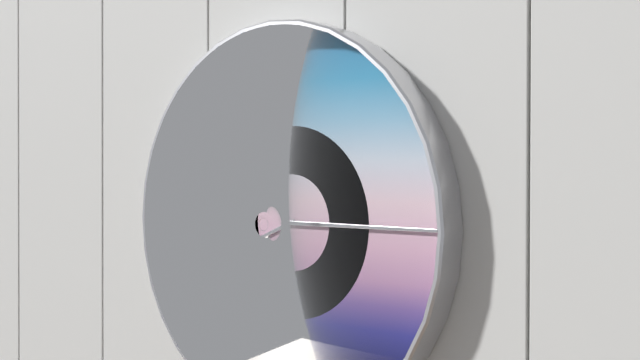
8:15
